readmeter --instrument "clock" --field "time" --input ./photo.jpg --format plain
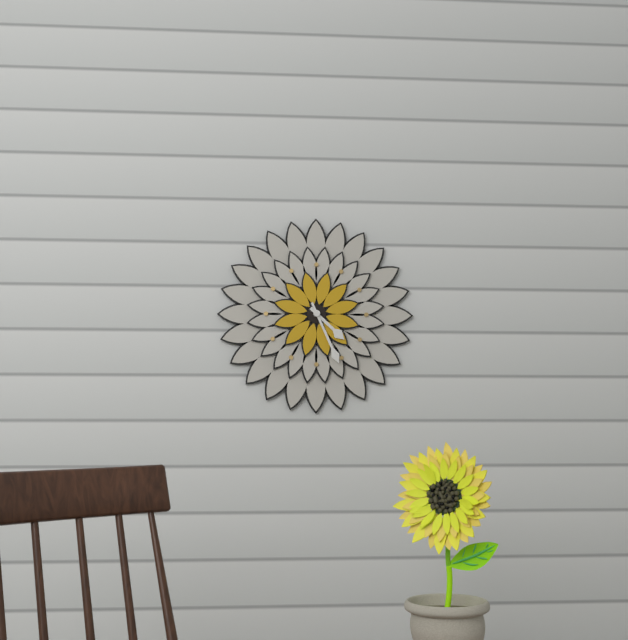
4:26
